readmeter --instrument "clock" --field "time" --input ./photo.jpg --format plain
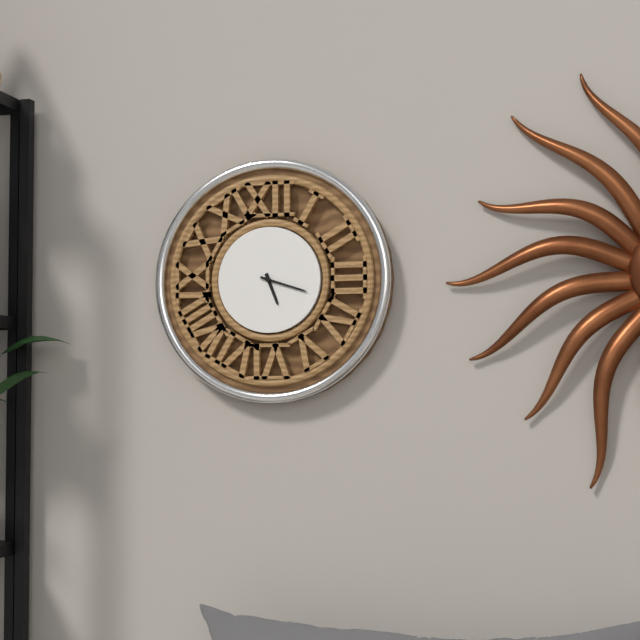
5:18
